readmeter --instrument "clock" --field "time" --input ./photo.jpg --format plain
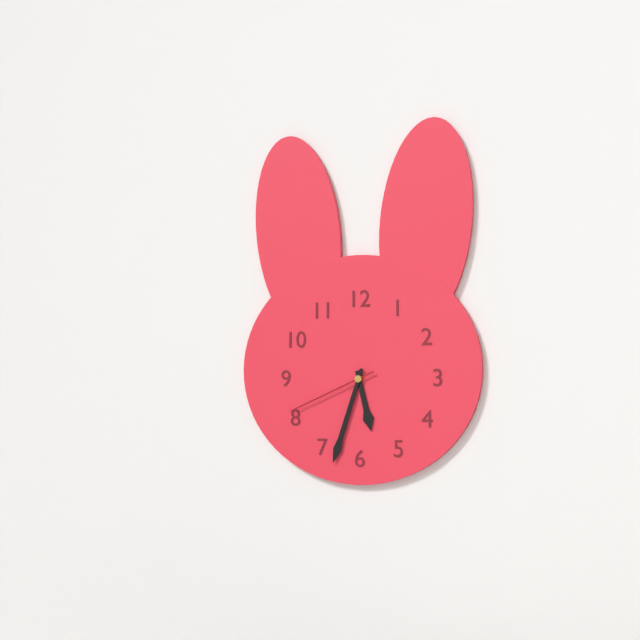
5:33:41
